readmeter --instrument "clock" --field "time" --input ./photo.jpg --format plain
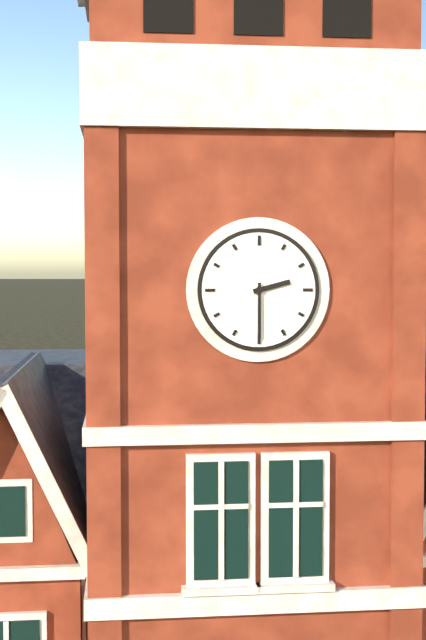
2:30
